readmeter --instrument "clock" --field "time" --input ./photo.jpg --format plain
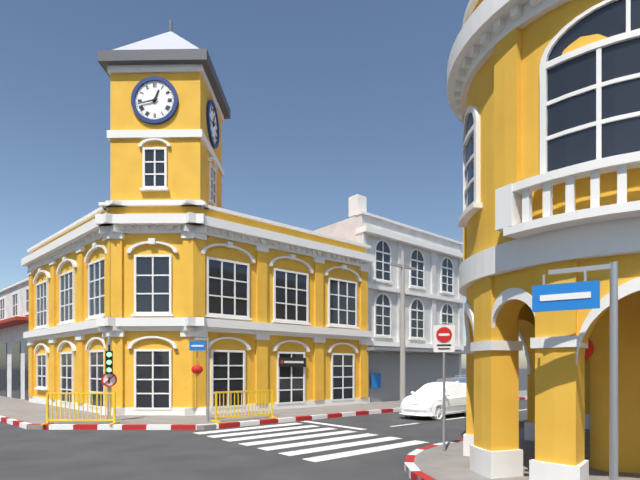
12:43
